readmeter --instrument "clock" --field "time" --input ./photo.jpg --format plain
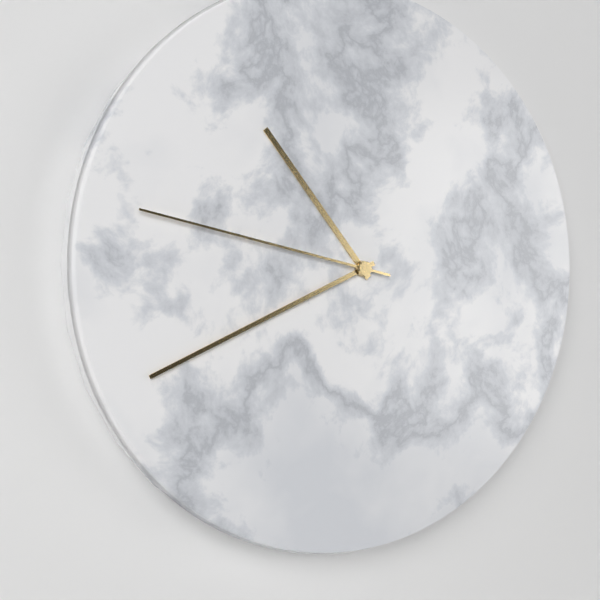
10:41:47
